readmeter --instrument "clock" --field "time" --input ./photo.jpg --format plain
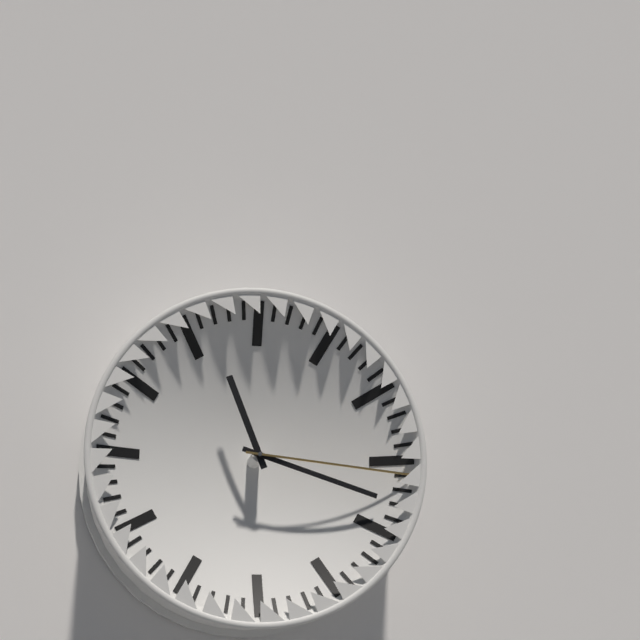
11:18:16
